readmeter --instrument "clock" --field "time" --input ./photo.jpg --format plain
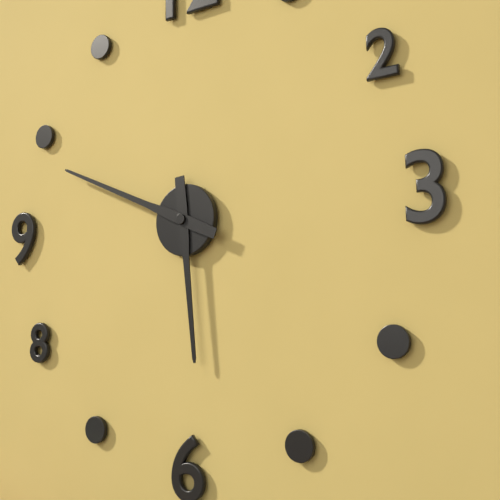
5:49
